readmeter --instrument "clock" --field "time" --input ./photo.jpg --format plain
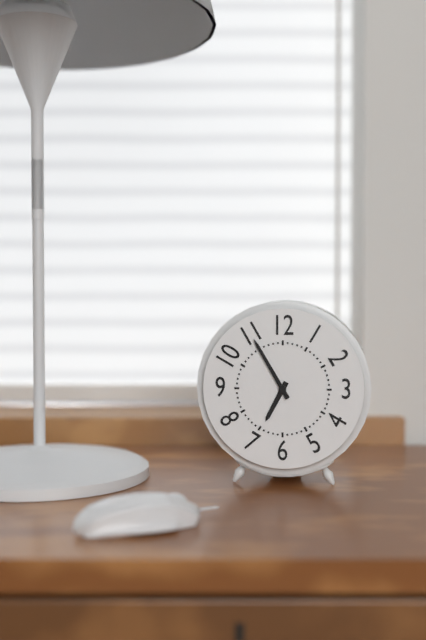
6:55
